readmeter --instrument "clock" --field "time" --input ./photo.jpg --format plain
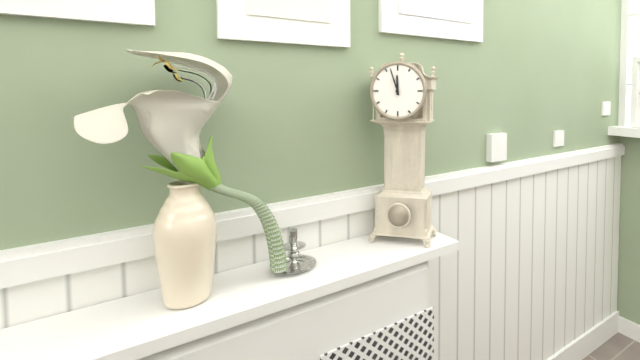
11:57
